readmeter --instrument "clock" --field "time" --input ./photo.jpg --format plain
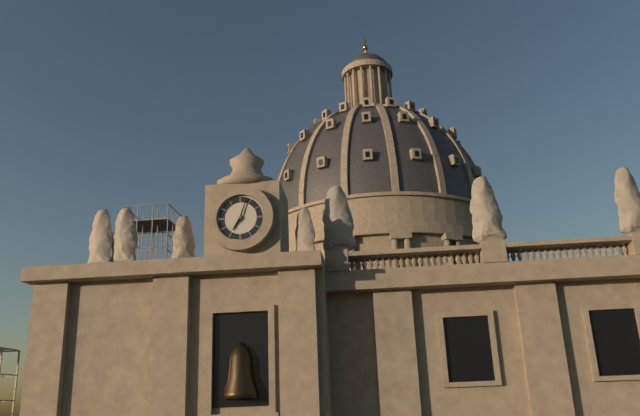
7:03
